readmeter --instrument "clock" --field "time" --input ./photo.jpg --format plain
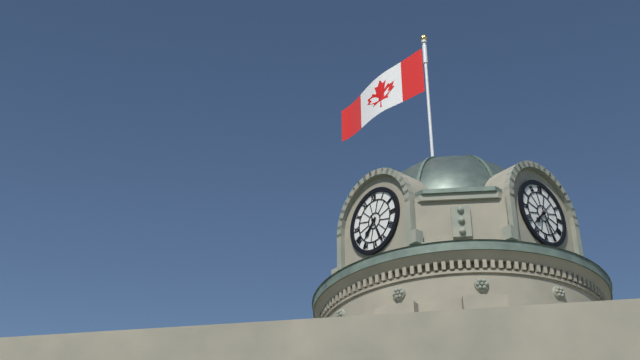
7:26
